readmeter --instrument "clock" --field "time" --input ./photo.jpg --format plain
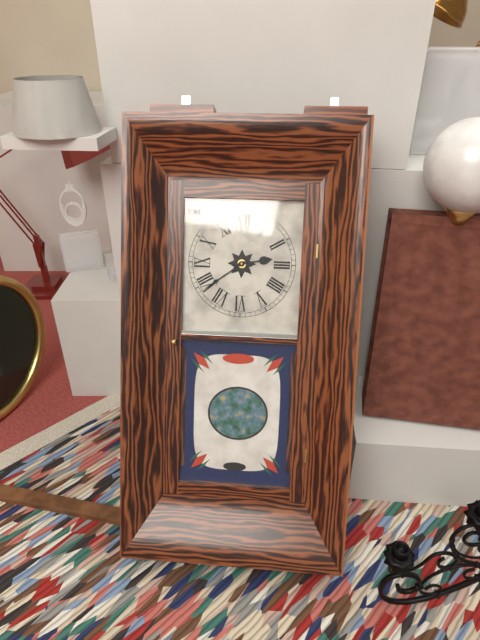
2:39
